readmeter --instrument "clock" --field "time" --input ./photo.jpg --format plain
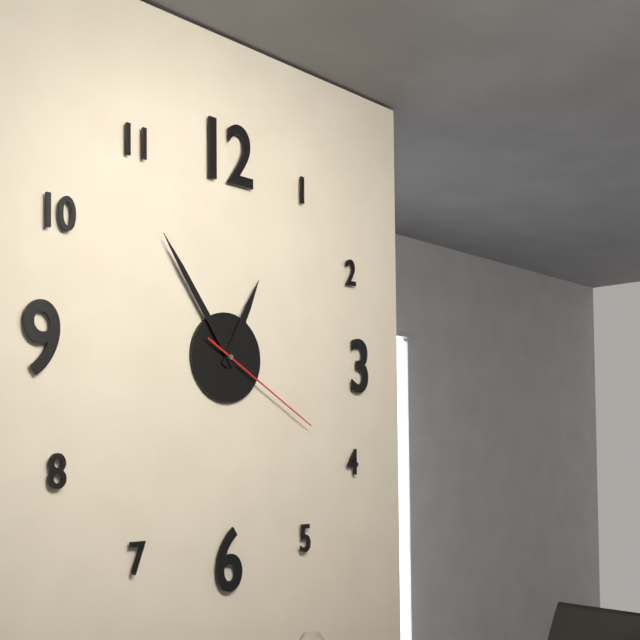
12:54:20
